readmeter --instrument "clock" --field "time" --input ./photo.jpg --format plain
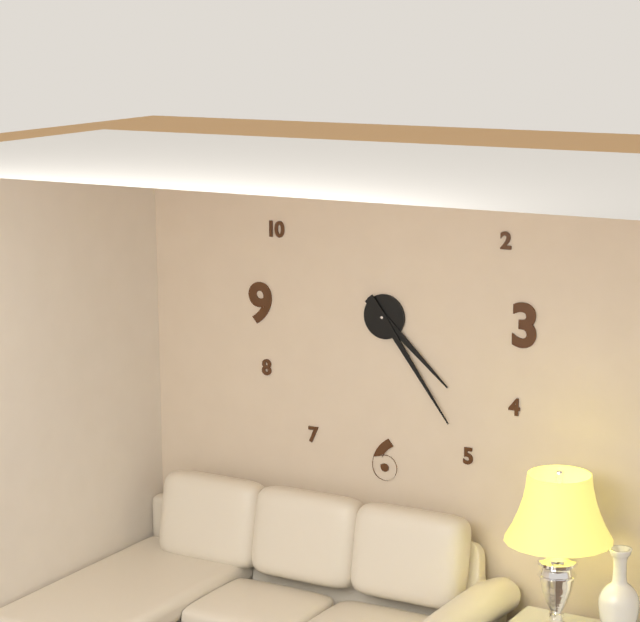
4:24
